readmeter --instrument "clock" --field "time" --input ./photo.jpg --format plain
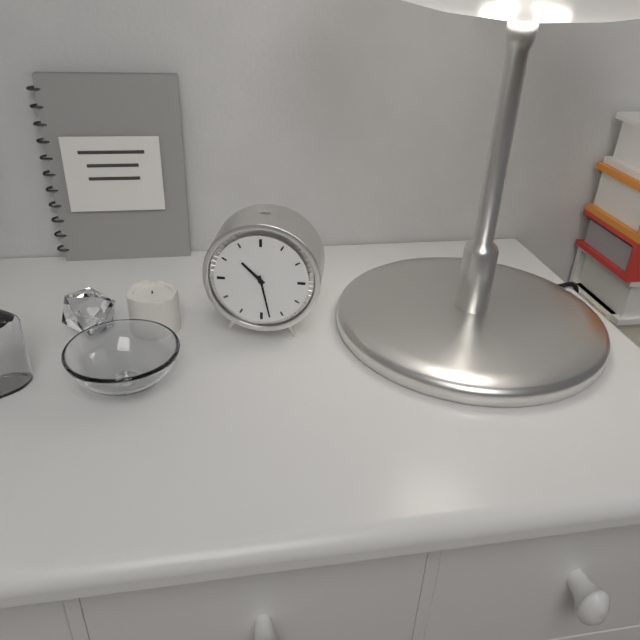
10:28
